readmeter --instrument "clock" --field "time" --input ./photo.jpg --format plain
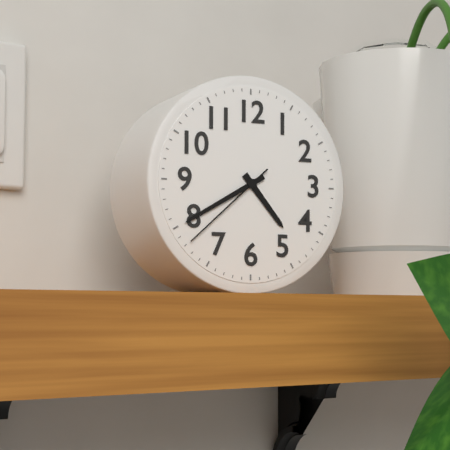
4:40:38
